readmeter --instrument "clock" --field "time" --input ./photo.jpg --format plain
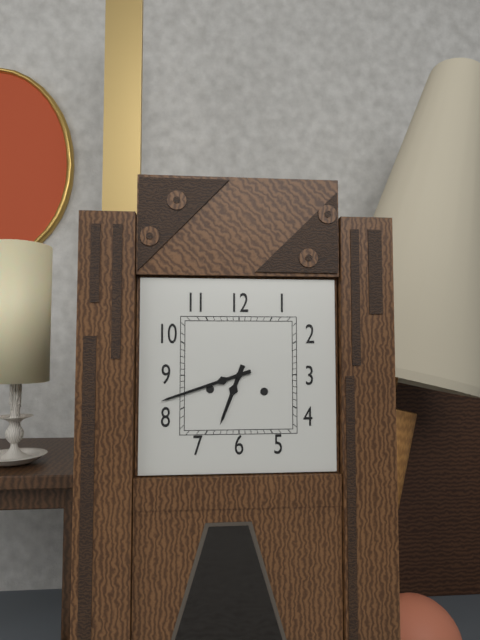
6:42
